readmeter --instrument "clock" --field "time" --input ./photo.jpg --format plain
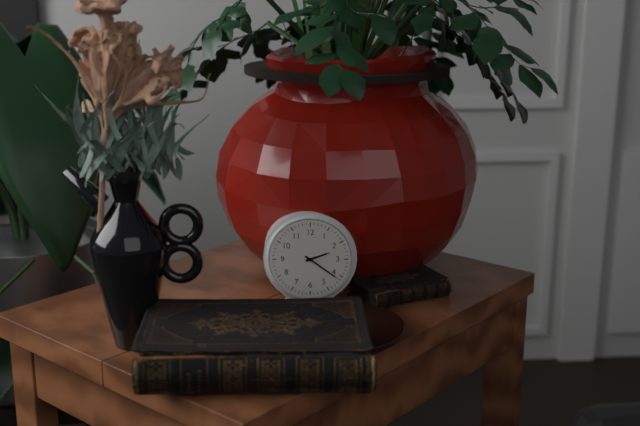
2:21
